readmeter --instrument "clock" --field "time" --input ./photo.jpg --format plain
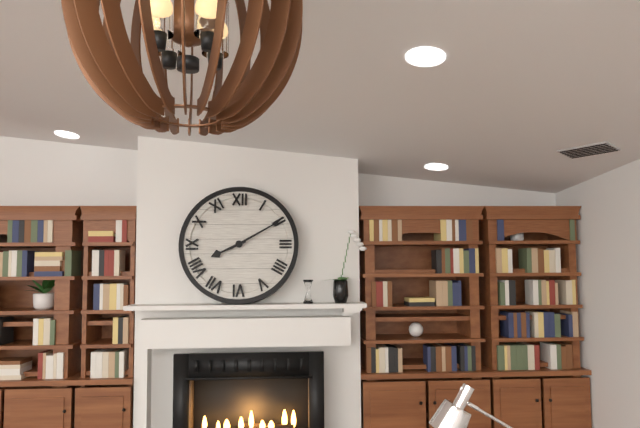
8:10
